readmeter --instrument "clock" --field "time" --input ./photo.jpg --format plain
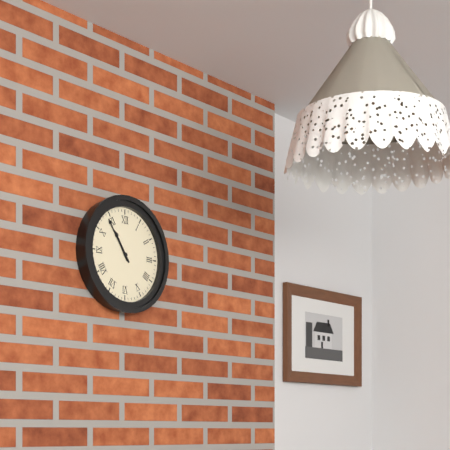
10:54
